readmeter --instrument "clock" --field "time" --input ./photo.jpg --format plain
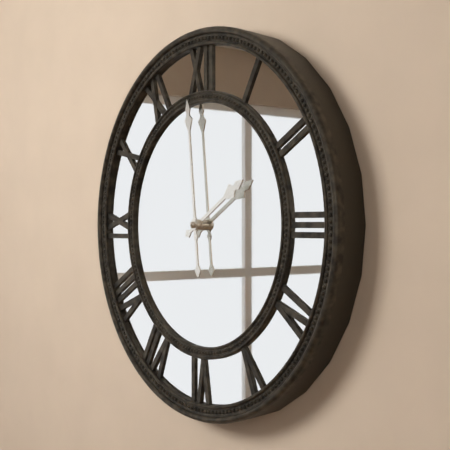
1:59
